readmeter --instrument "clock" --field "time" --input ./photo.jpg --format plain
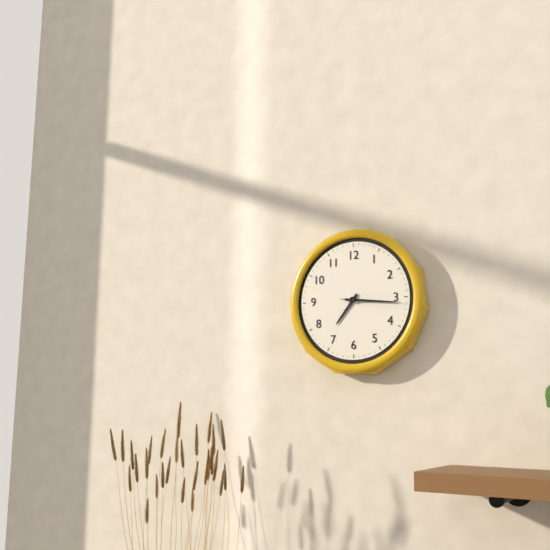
7:16:16
